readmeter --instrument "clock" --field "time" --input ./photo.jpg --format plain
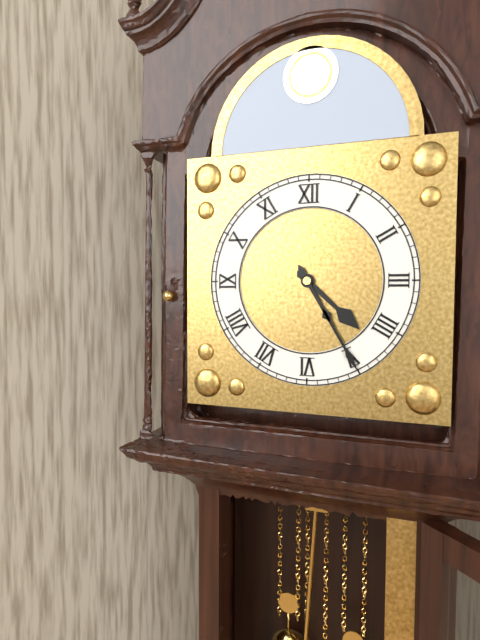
4:25
